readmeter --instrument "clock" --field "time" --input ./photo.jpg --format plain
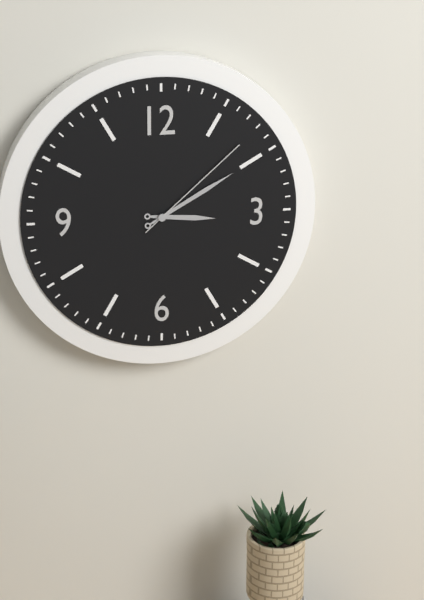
3:10:08
